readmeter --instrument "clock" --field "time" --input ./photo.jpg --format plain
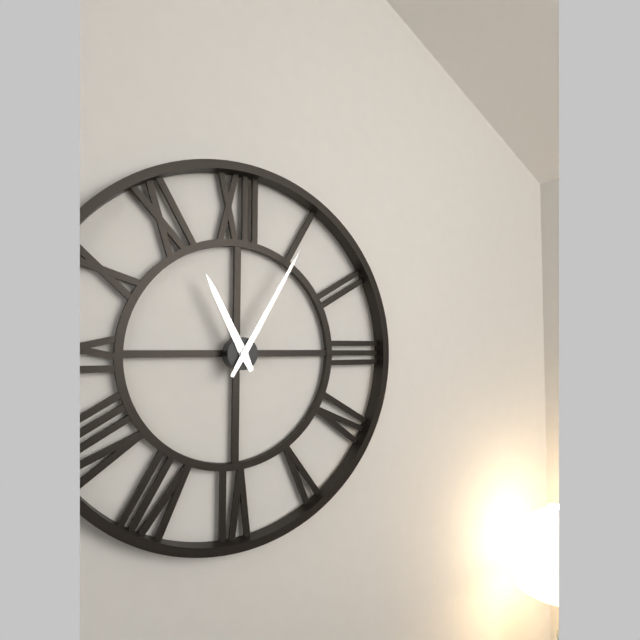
11:05
